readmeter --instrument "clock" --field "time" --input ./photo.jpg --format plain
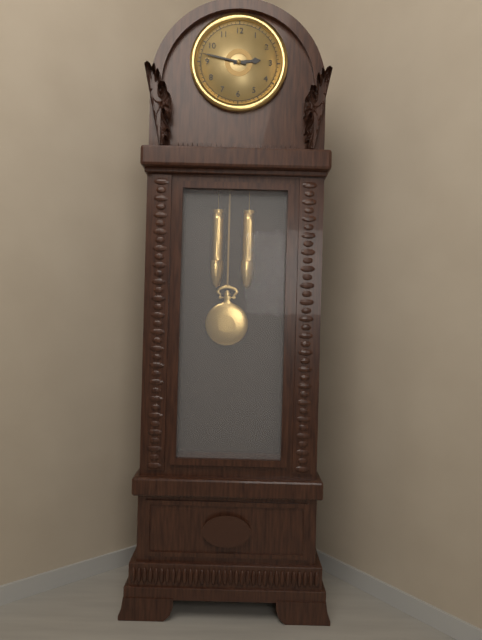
2:47
